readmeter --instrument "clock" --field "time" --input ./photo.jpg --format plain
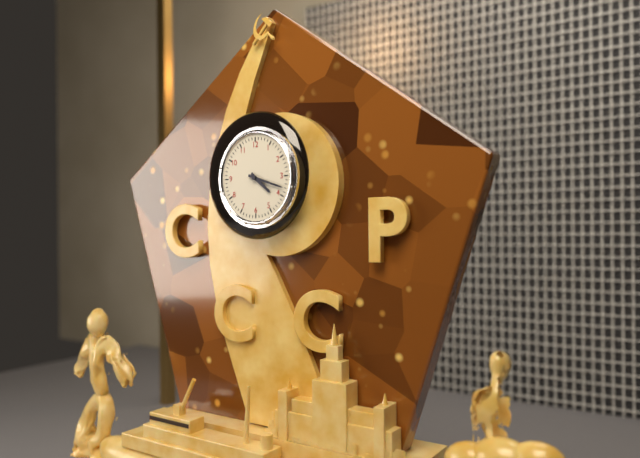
4:18
